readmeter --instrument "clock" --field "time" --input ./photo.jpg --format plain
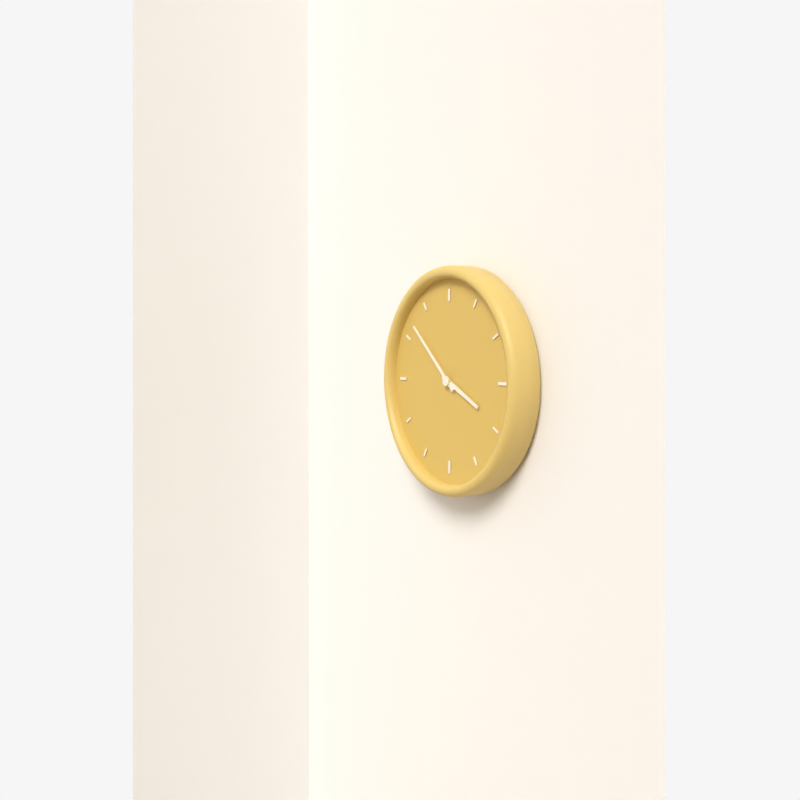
3:52
